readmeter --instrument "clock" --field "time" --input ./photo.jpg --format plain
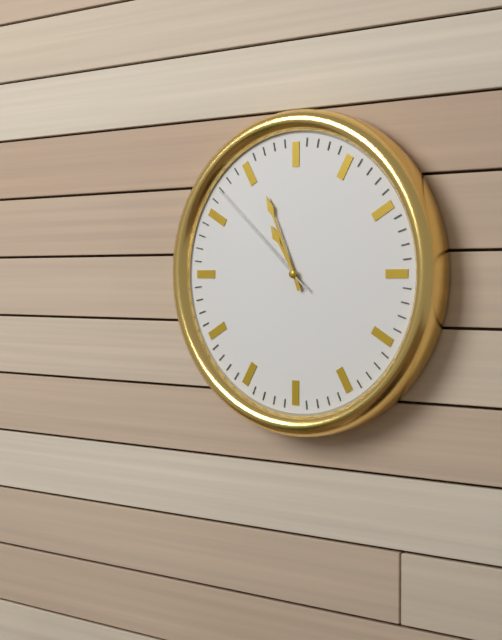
10:56:52
